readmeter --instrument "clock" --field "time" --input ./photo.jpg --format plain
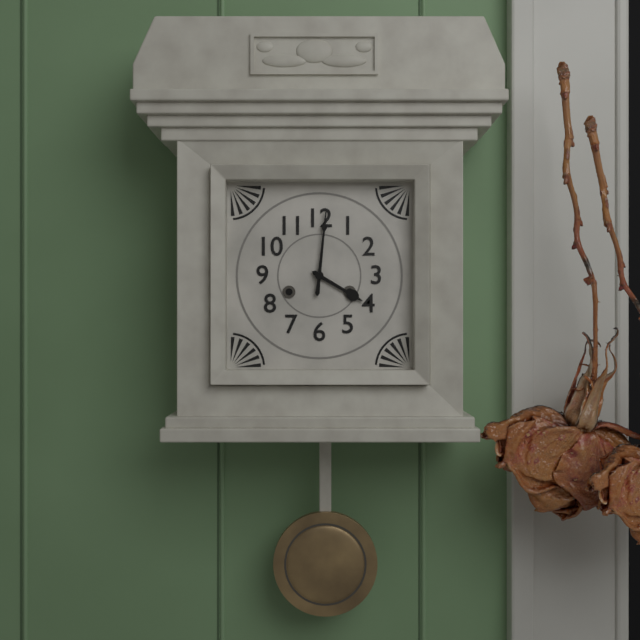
4:01
